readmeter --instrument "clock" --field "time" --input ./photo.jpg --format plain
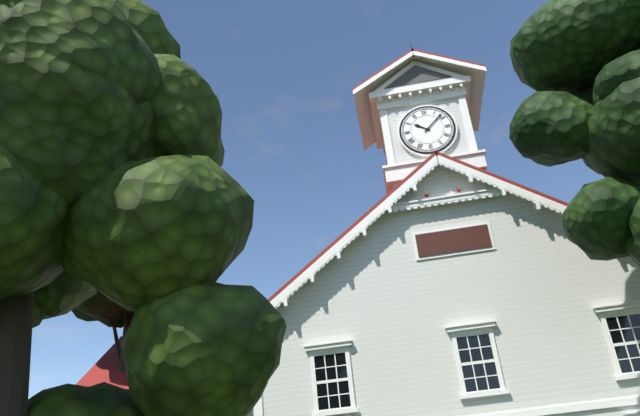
10:08
